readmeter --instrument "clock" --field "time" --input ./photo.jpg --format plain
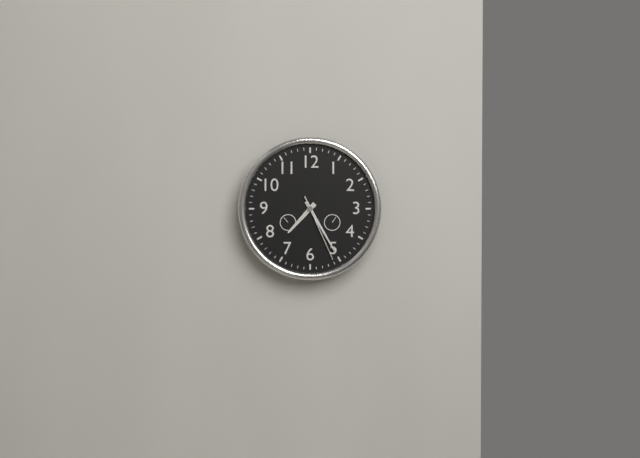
7:25:26
